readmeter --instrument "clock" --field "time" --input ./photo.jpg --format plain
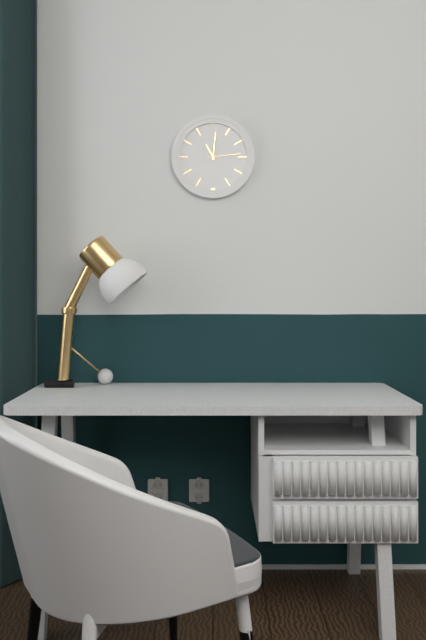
11:01
